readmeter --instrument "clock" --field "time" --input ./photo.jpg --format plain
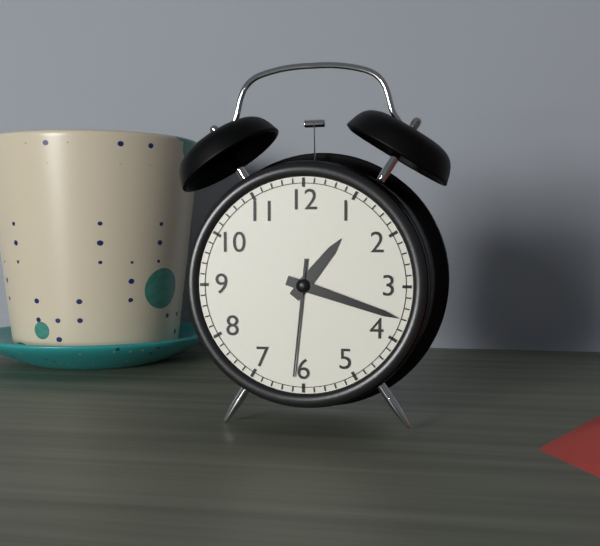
1:18:31
